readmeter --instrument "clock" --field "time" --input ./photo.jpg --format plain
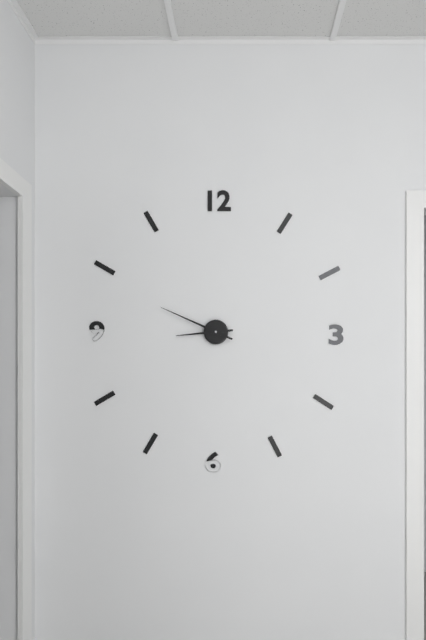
8:49
